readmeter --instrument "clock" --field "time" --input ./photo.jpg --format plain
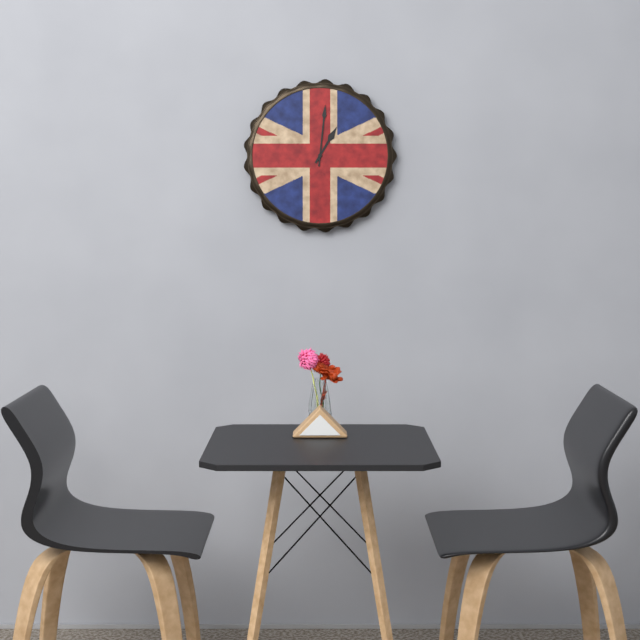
1:01
